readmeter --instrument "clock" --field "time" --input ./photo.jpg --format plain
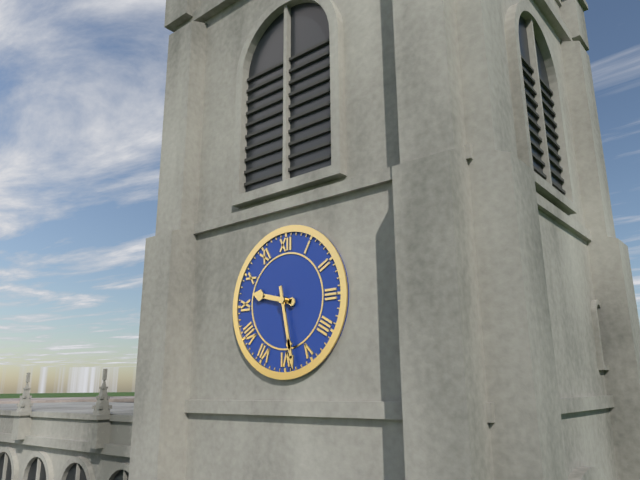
9:28
